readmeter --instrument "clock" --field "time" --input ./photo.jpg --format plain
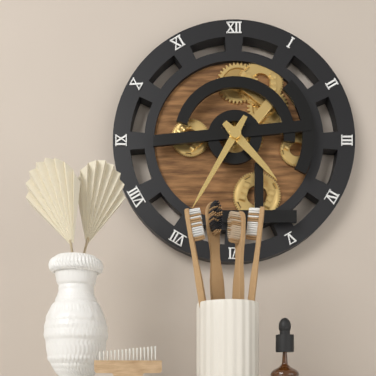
4:35
